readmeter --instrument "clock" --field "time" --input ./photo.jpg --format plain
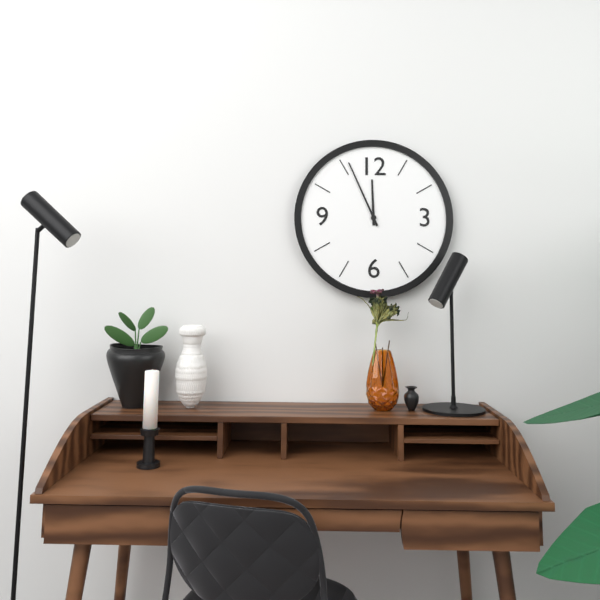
11:56
